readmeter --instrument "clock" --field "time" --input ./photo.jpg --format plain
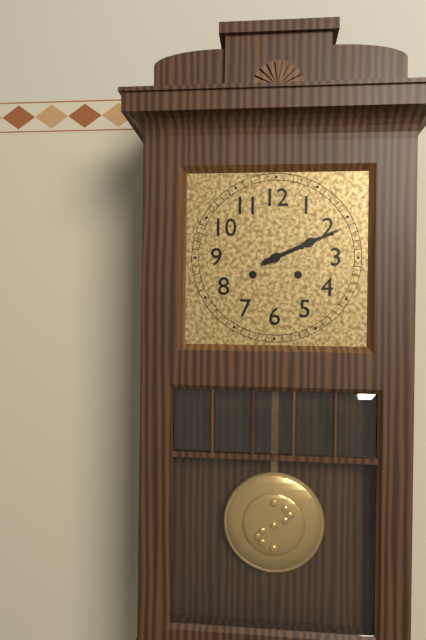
2:11
